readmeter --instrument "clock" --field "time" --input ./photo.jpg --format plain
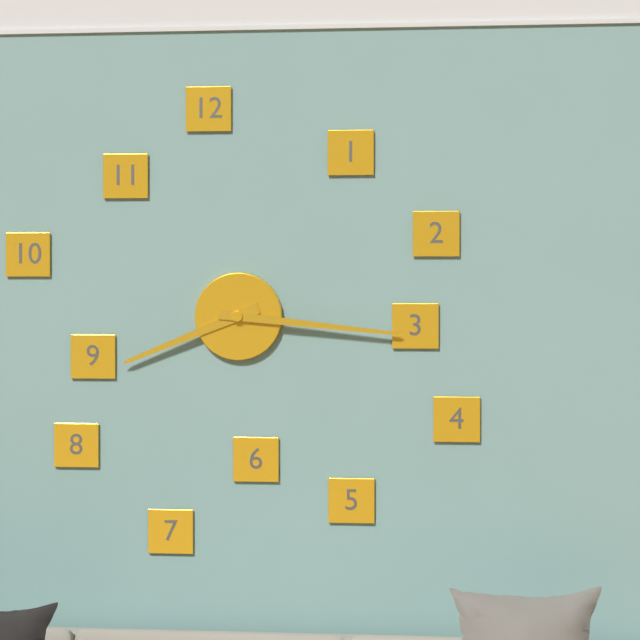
8:16
